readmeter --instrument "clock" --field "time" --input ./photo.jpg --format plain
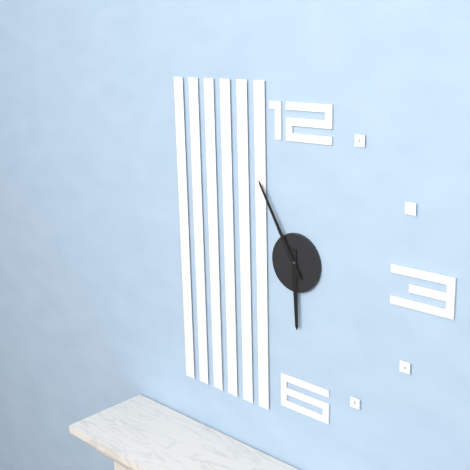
5:55
